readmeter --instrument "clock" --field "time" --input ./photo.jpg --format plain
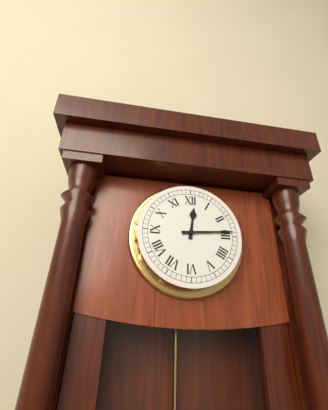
12:14
